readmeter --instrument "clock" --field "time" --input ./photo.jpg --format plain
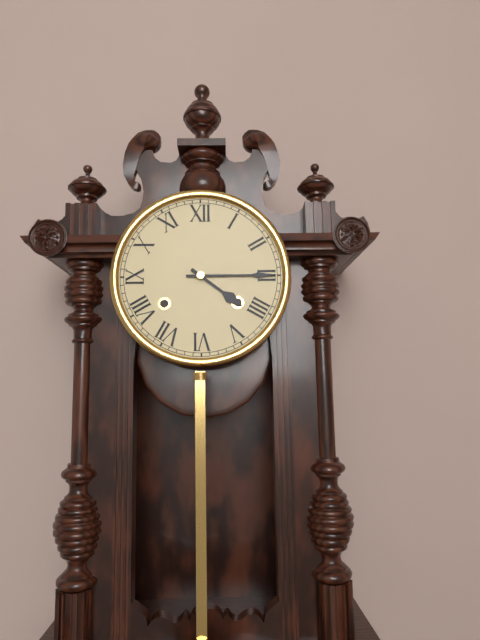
4:15
